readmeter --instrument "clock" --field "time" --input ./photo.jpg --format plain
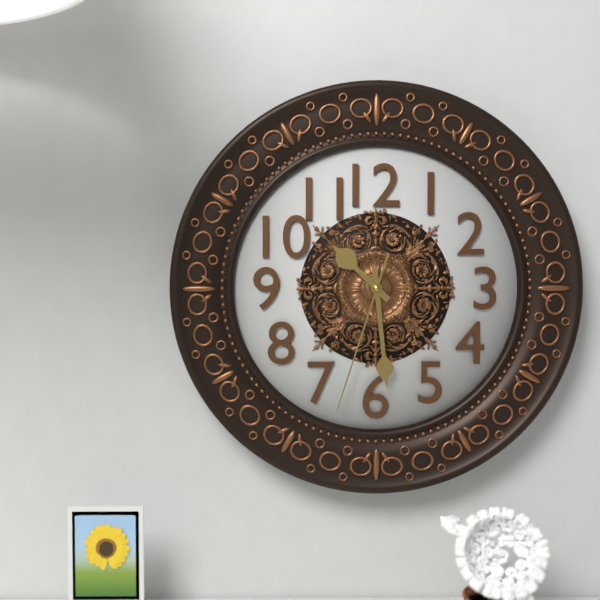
10:29:33
